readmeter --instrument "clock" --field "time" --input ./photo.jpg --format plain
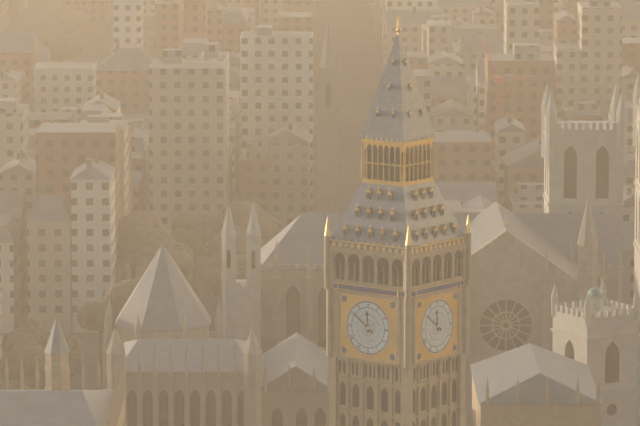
11:51
